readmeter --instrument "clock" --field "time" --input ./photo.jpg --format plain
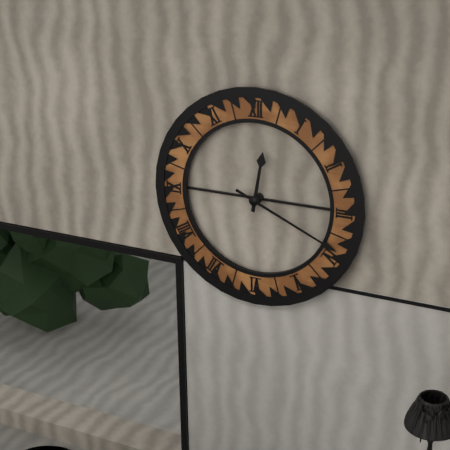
12:19
